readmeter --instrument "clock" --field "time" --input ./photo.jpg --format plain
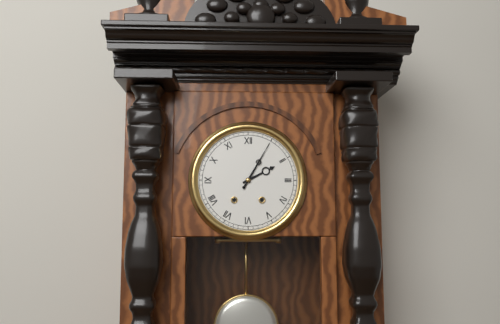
2:05
